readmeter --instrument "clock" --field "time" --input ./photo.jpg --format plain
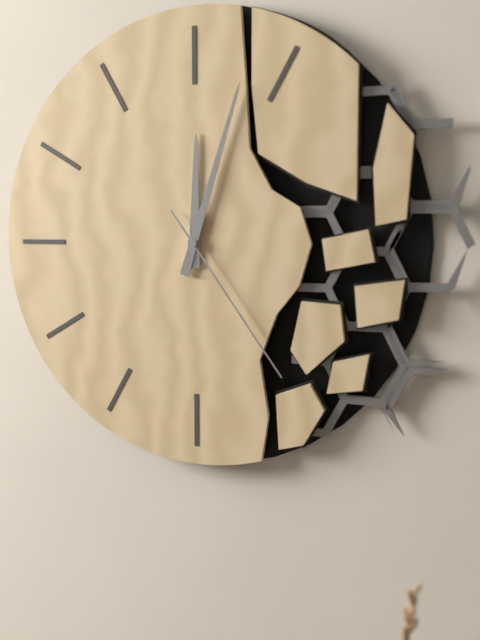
12:03:24
